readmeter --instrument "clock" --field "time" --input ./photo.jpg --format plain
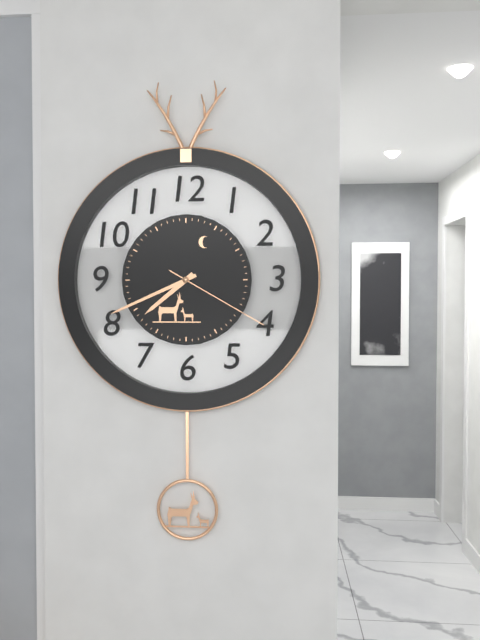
7:41:20
